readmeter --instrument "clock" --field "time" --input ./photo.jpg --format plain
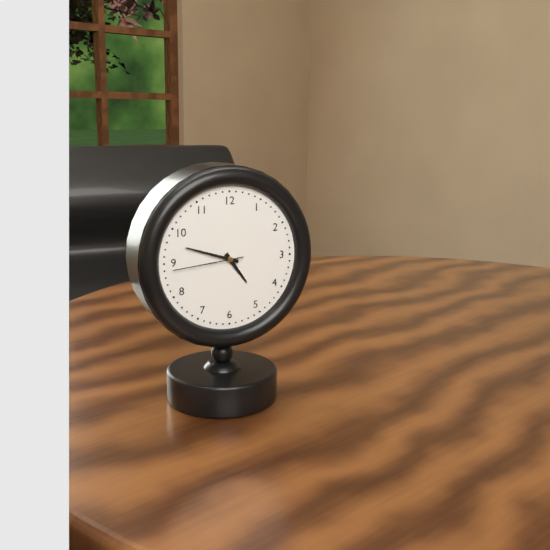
4:48:44
